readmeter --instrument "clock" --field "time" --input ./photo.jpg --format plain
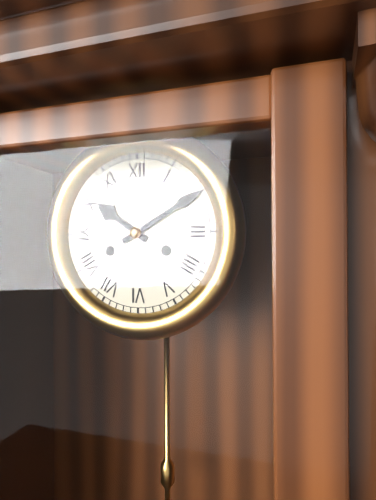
10:10
